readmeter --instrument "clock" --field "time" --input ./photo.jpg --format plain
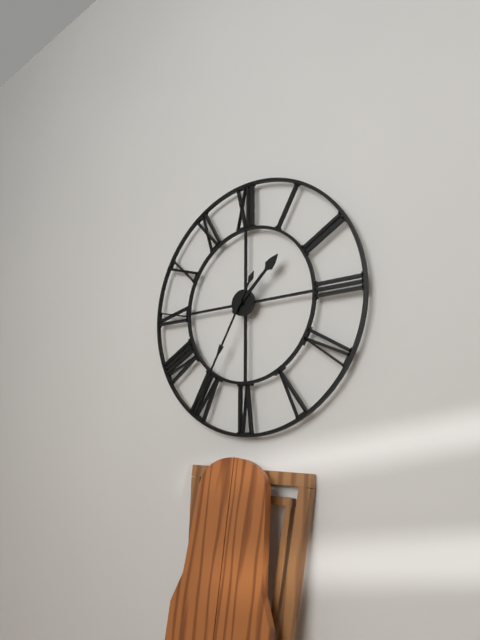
1:35
